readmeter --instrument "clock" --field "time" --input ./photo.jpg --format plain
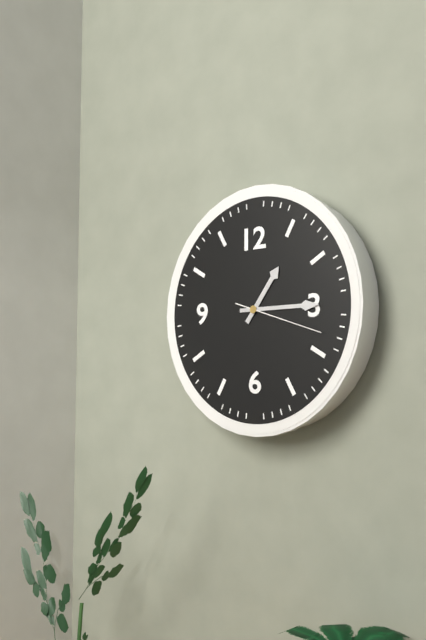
1:15:18
